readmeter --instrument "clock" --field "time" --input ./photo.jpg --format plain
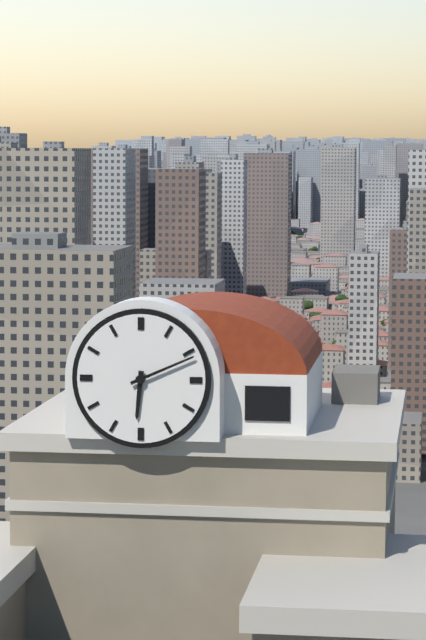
6:11
